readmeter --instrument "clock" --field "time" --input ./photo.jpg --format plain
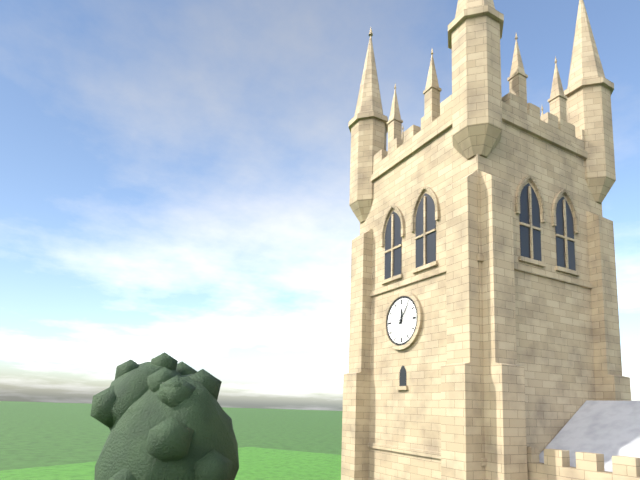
12:06
